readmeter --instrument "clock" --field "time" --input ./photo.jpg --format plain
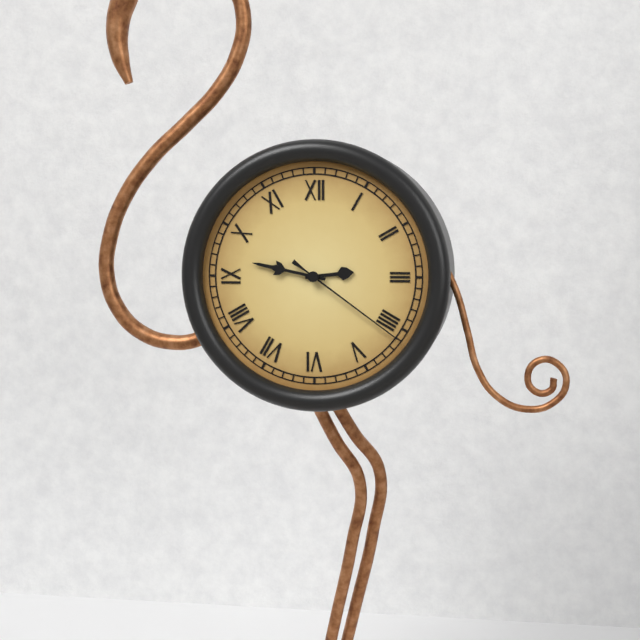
2:47:21
